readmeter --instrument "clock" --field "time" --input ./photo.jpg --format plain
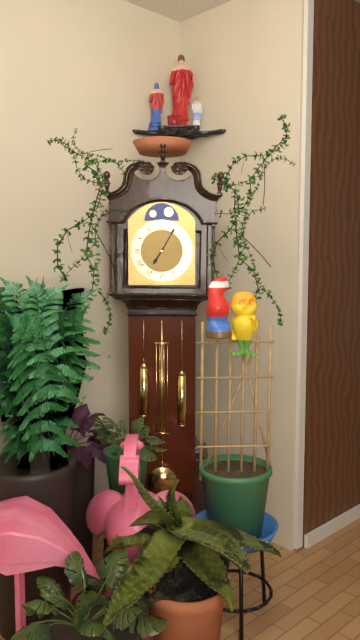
7:05
